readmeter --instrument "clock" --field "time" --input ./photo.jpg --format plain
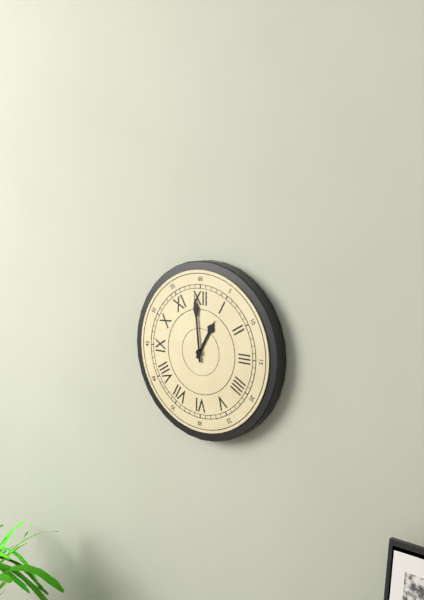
12:59
